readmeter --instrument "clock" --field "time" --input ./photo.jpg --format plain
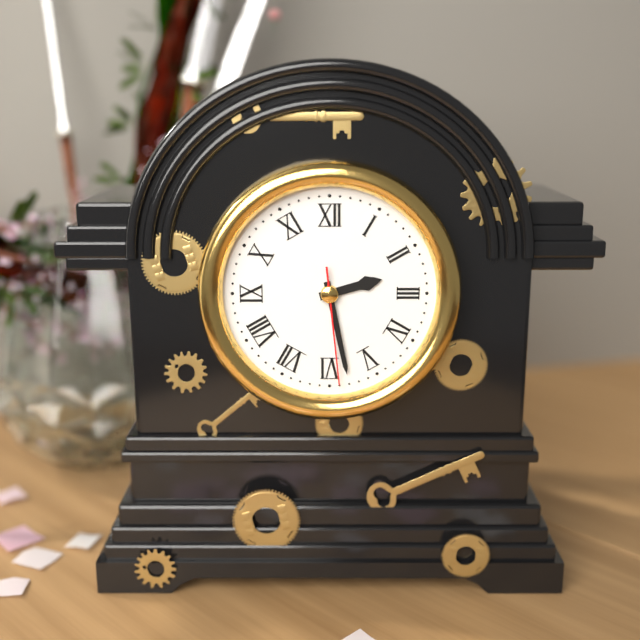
2:28:29
